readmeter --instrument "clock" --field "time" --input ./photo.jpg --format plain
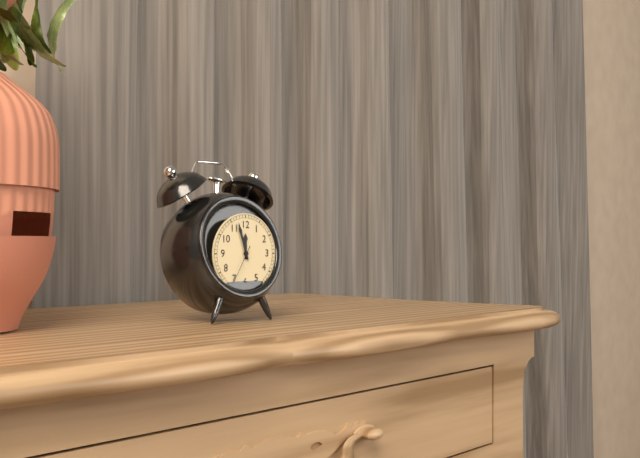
11:57
